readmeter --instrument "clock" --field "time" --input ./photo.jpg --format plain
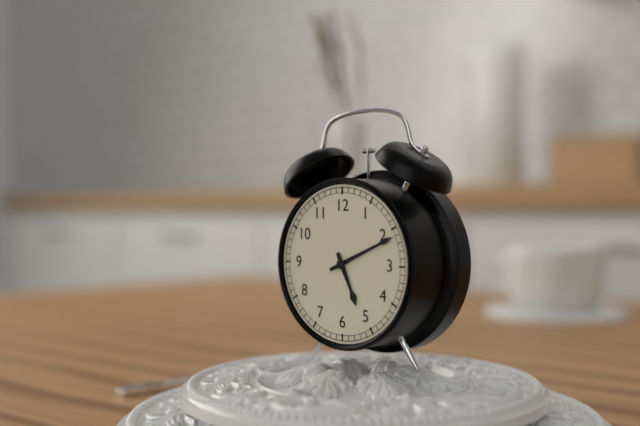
5:11
